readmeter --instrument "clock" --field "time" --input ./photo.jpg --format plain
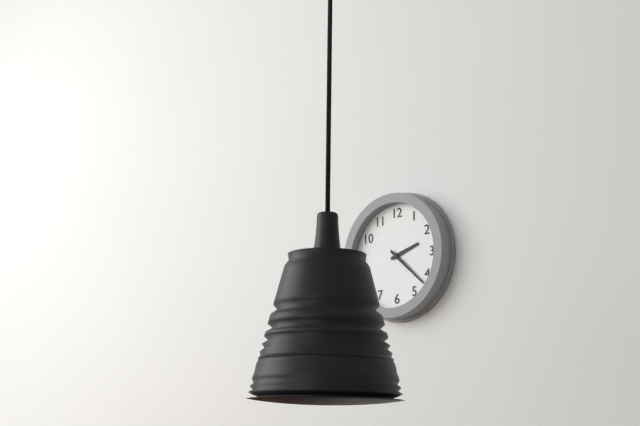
2:22
